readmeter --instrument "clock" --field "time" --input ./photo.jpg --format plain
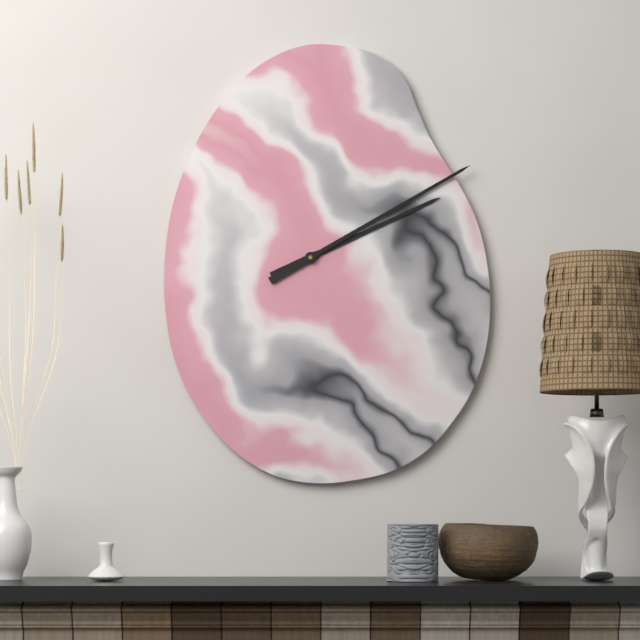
2:10
